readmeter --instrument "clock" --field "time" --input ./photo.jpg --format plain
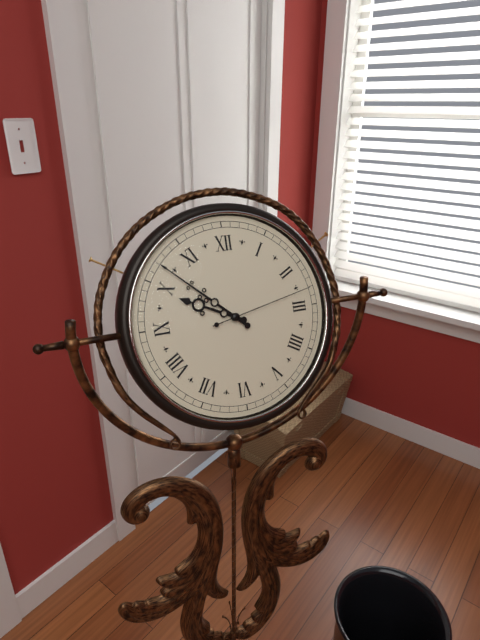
9:52:13
